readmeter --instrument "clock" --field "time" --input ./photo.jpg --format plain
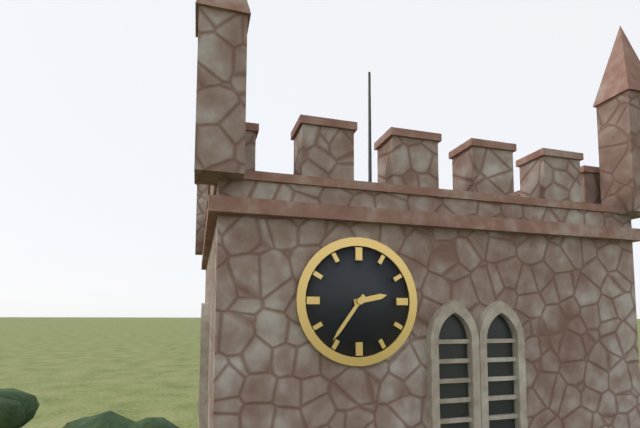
2:36
